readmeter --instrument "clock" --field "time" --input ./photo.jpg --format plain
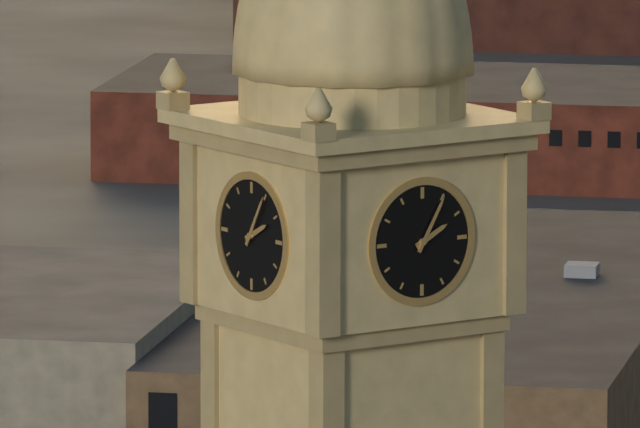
2:05
